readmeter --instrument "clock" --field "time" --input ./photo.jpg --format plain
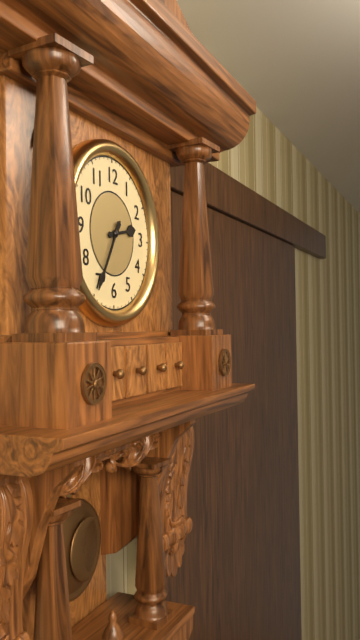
2:35
